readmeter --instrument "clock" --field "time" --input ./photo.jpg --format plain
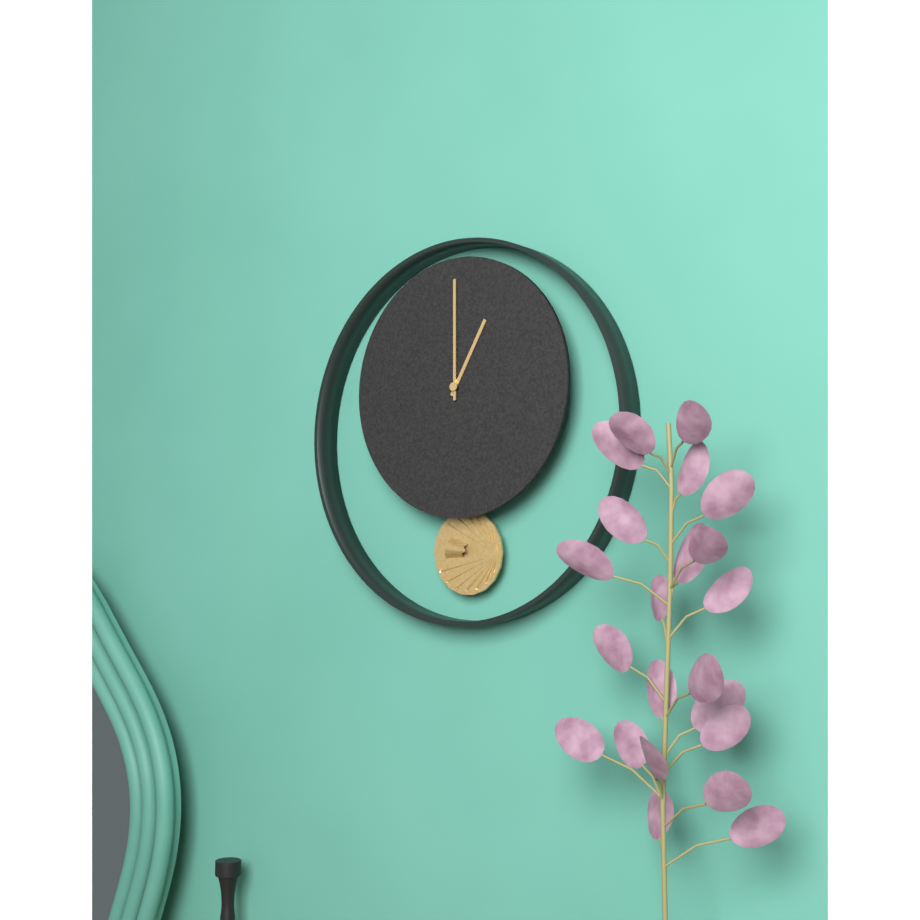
1:00
